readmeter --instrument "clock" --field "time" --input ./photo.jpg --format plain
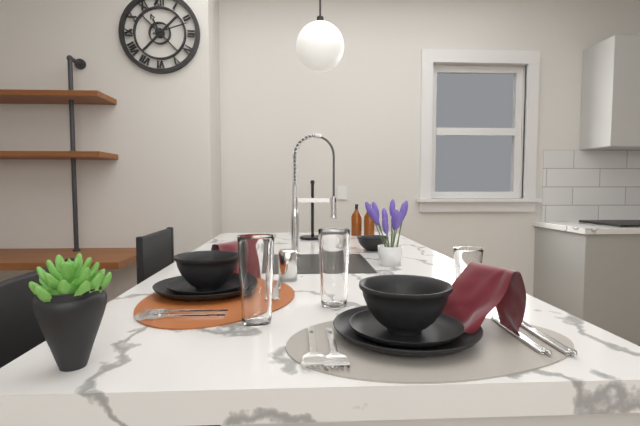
11:12
